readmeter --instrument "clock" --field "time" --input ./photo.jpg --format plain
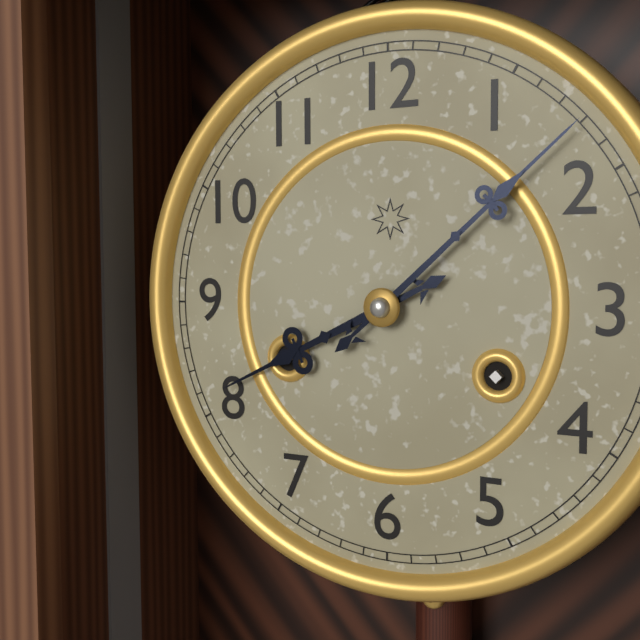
8:08
